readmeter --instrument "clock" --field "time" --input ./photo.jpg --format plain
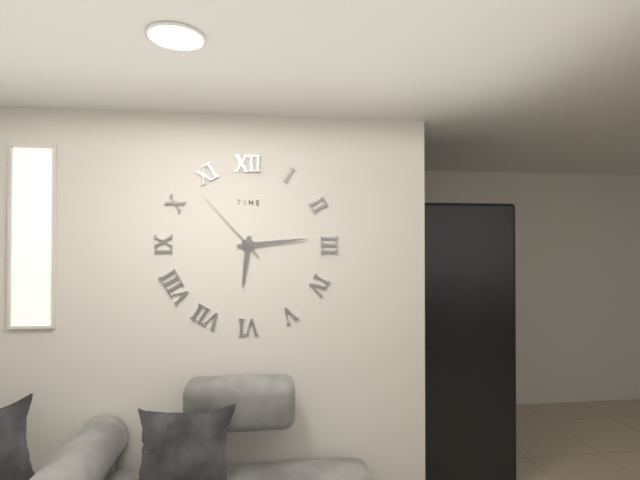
6:14:53
